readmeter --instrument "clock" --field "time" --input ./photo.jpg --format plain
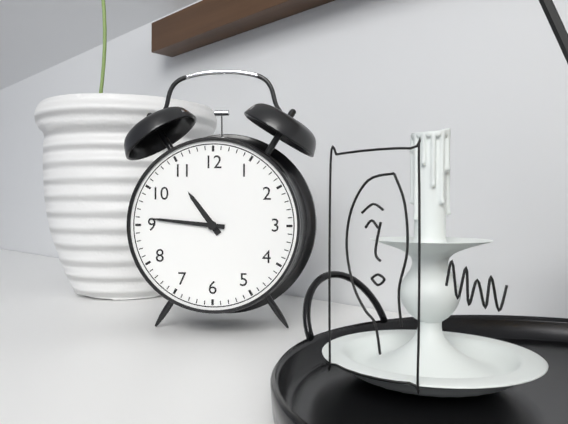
10:46
